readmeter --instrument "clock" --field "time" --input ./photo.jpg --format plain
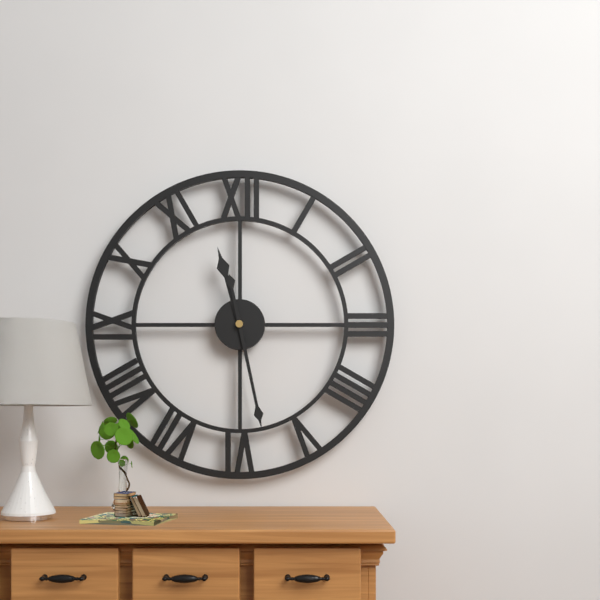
11:28
